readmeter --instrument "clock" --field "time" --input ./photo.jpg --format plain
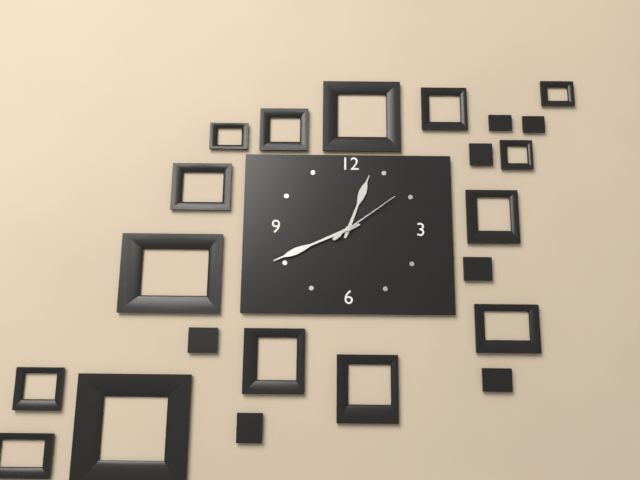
12:41:09
